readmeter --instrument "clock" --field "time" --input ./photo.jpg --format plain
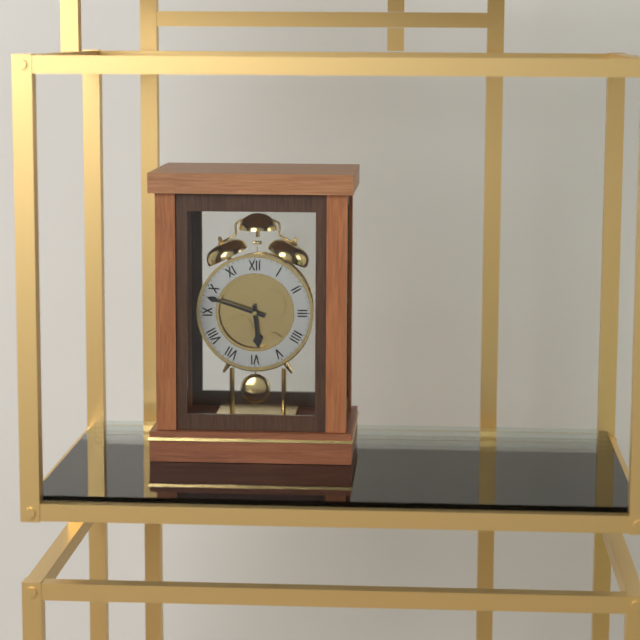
5:48
